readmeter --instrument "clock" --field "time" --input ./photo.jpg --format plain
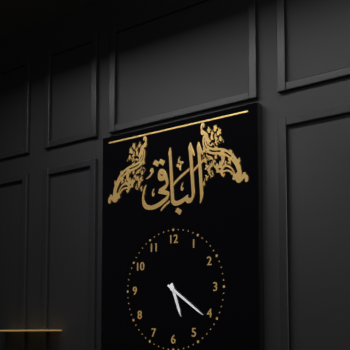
5:21
